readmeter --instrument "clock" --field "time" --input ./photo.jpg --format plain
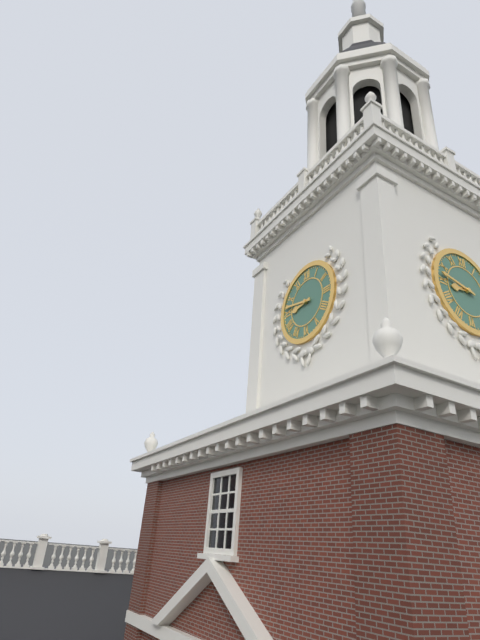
8:47
